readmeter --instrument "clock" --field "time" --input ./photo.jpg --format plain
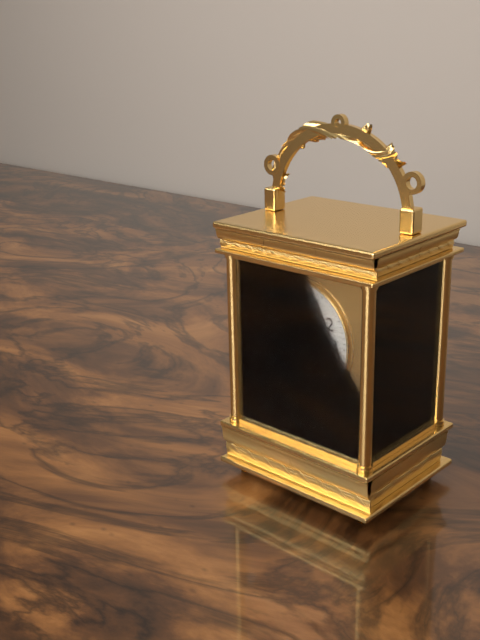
12:43
